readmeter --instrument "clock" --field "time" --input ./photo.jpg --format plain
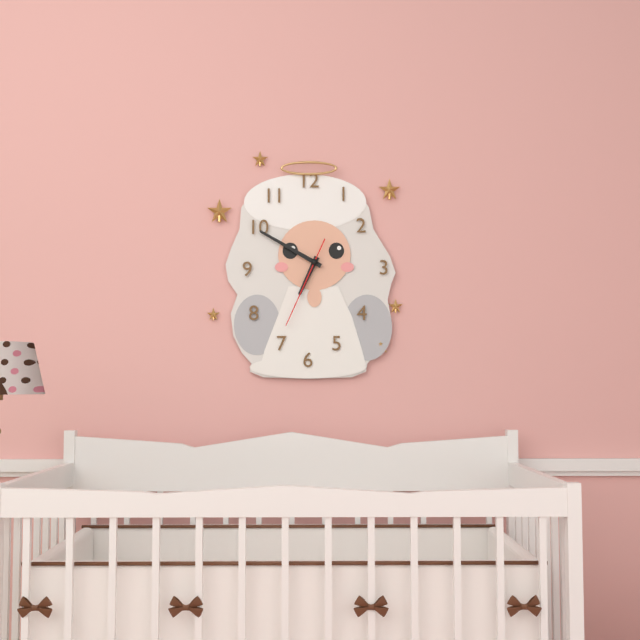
6:50:34
